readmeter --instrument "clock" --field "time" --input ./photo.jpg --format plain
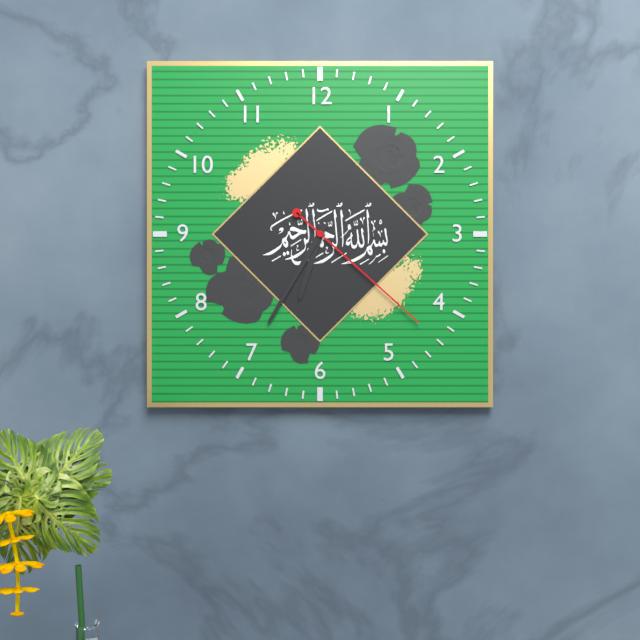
6:35:22
